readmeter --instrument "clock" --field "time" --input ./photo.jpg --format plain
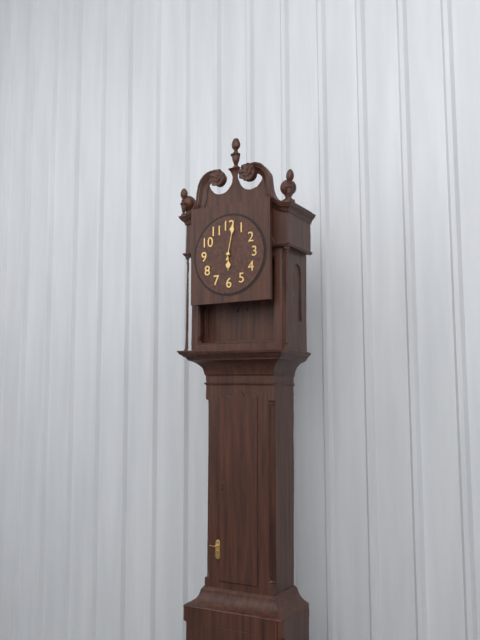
6:02
